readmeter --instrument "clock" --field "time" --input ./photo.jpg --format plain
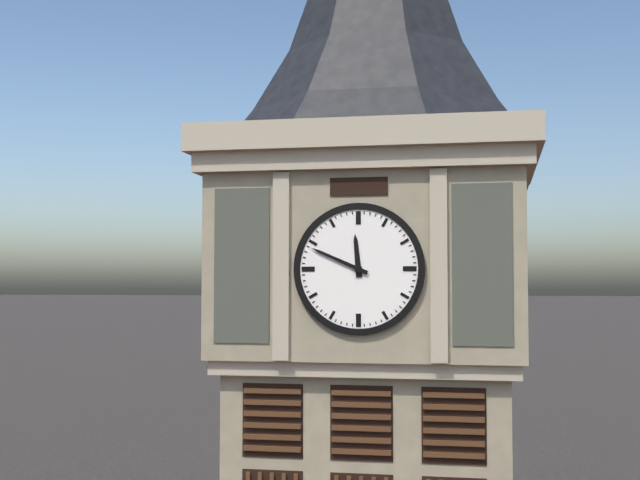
11:49
